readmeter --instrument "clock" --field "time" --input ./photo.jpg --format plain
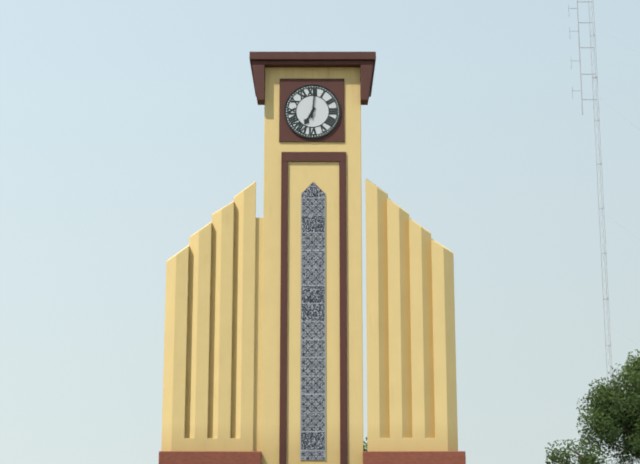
7:01
